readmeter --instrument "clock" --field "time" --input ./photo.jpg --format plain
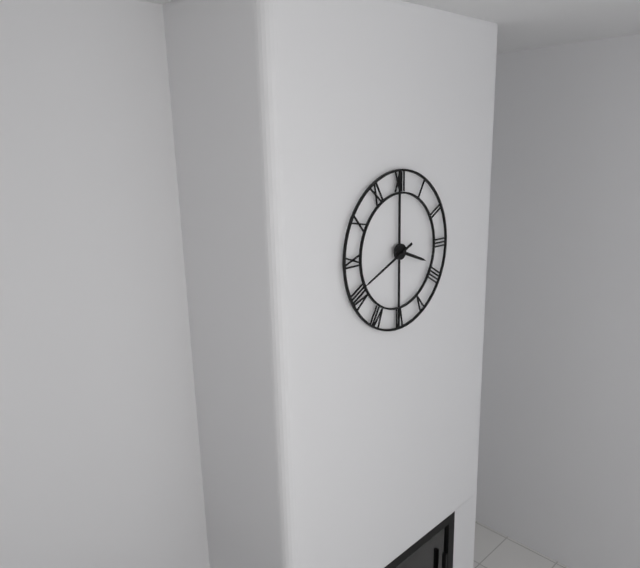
3:41
